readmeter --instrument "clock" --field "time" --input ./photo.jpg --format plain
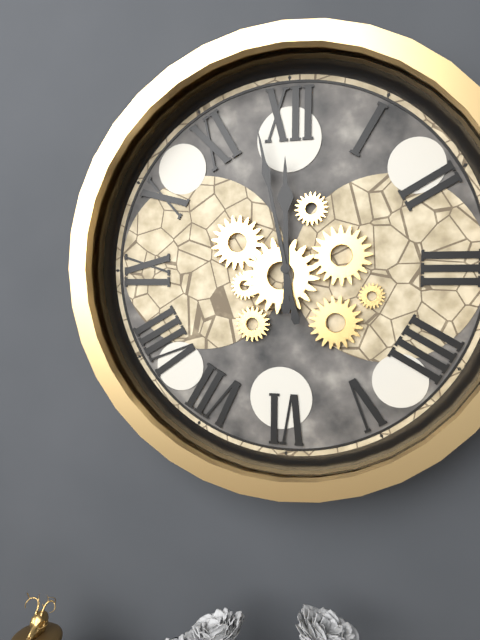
11:58
